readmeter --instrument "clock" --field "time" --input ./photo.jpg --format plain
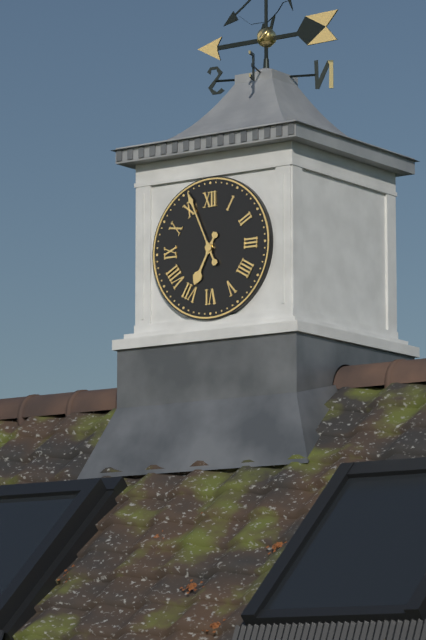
6:56
